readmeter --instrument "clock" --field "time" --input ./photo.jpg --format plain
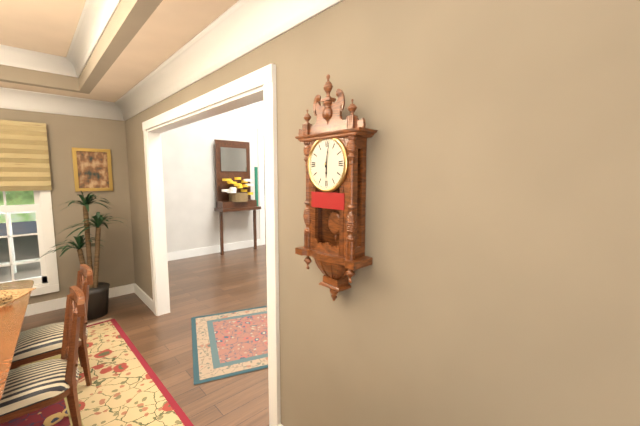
6:02
